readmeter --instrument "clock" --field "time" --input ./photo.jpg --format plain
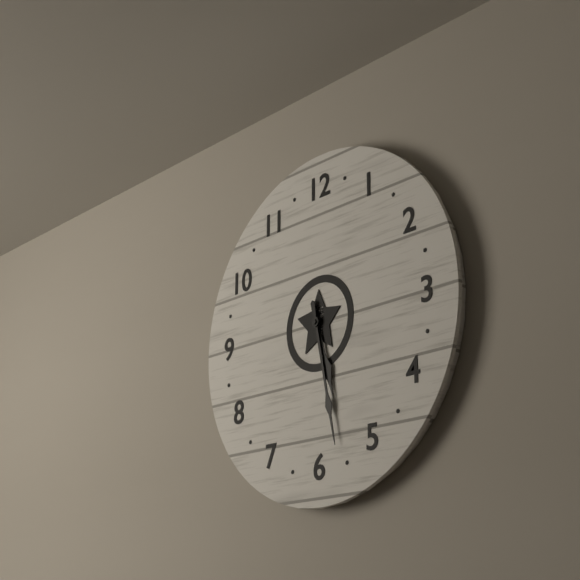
5:28
